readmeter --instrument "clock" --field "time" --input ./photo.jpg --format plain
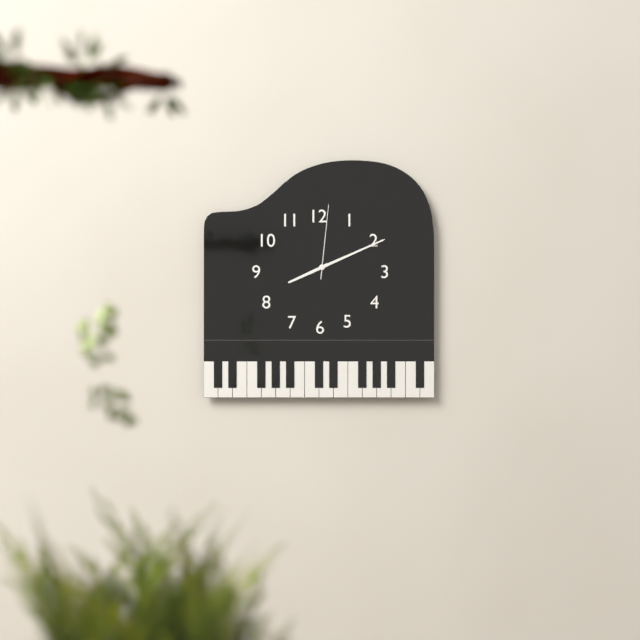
8:11:01
